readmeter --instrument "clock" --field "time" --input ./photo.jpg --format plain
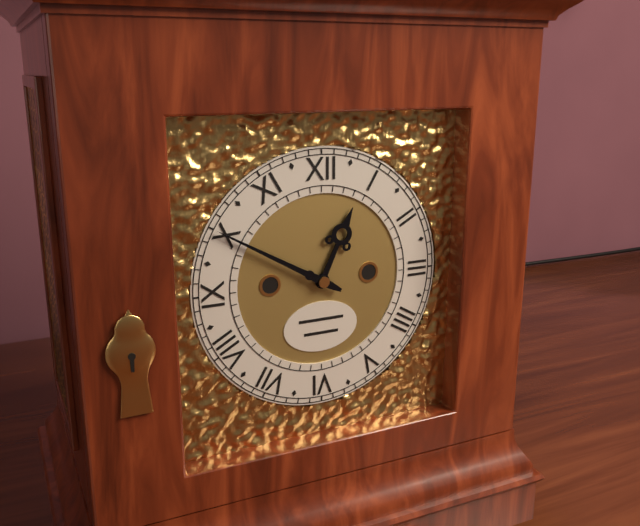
12:50
